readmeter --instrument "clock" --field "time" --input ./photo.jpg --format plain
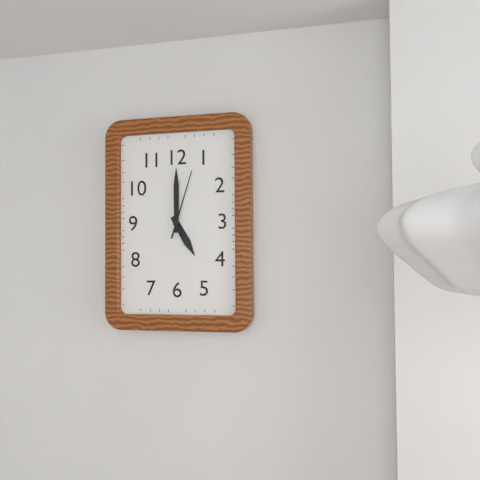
5:00:03
